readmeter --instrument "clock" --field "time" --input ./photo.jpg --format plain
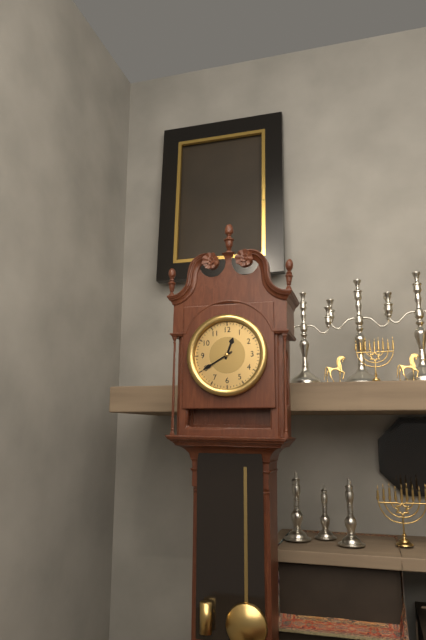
12:40
